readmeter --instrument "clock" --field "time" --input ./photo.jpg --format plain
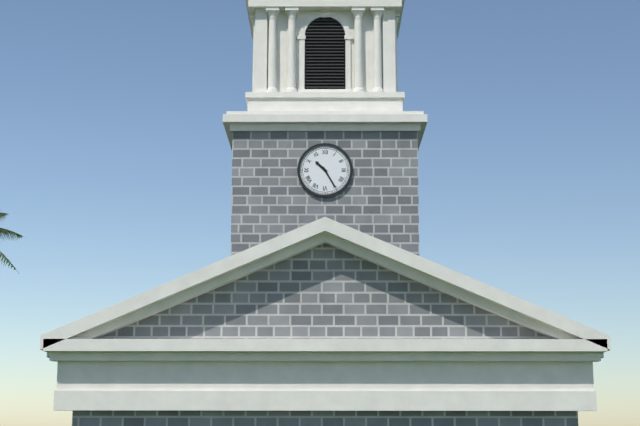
10:25
